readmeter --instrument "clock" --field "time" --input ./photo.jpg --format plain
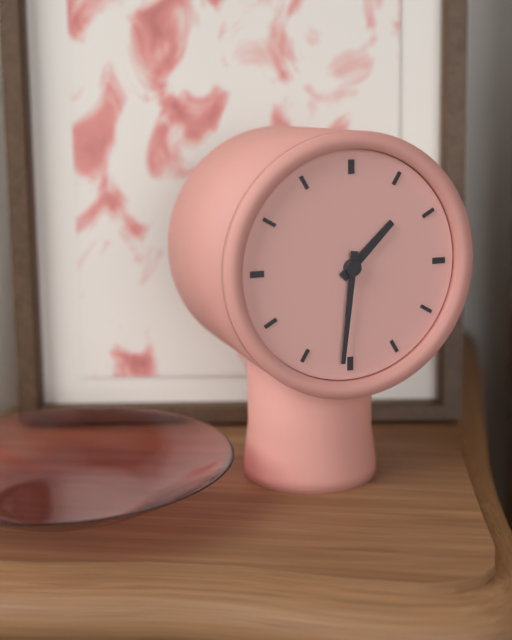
1:31
